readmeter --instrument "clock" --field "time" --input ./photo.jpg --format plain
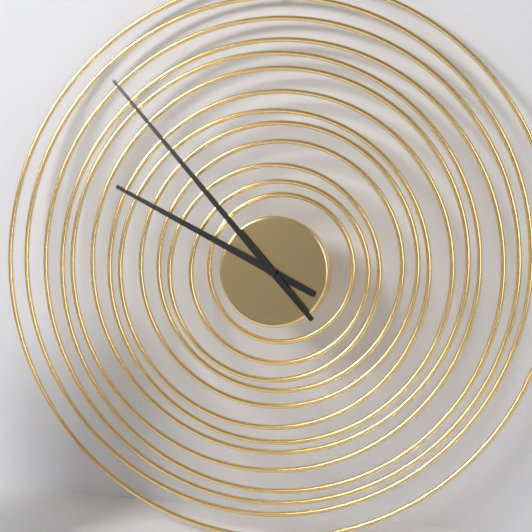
9:53
